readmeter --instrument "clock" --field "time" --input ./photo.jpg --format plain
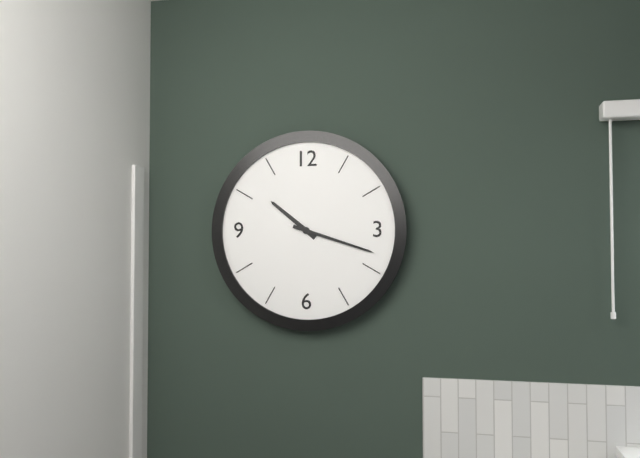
10:18
